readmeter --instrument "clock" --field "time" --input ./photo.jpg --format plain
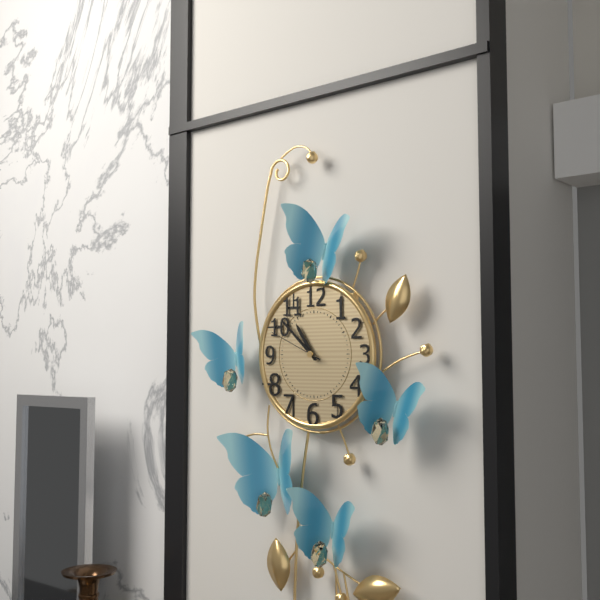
10:52:49
